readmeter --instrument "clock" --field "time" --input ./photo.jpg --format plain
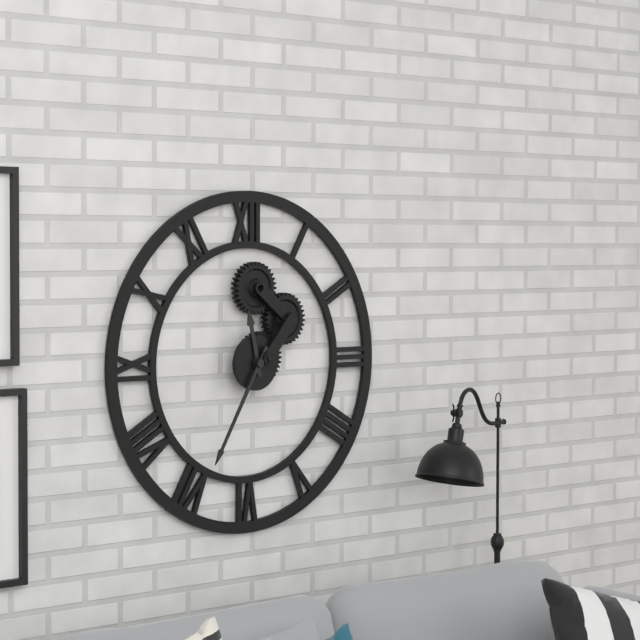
11:35
